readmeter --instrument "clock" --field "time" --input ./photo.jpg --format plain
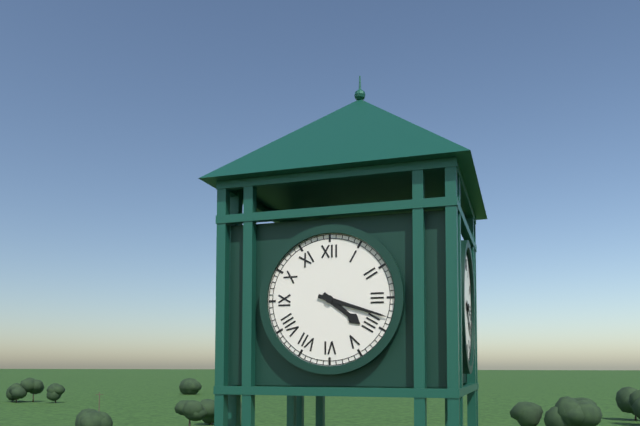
4:18
